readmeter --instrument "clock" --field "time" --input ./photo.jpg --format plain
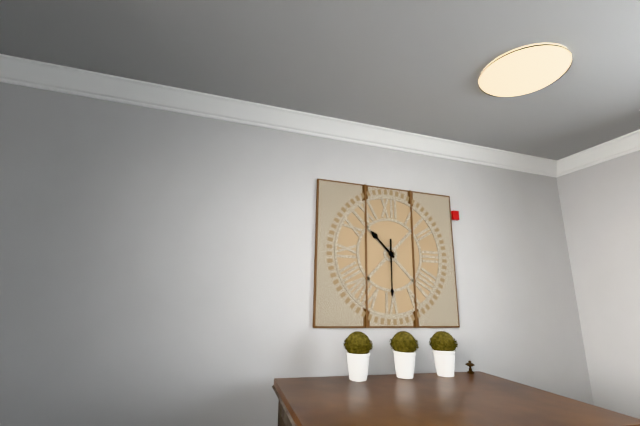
10:30
